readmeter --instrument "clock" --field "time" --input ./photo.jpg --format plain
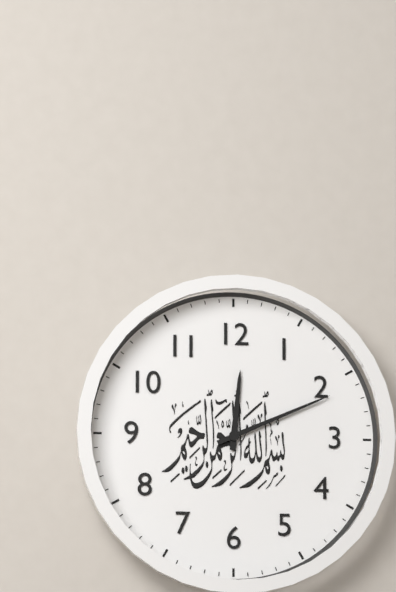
12:11
